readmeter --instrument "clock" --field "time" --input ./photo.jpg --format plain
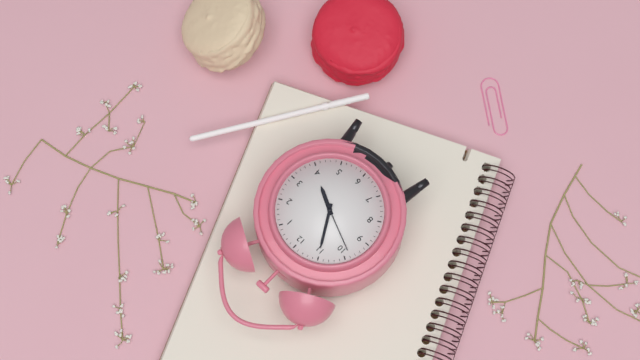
3:55:49
